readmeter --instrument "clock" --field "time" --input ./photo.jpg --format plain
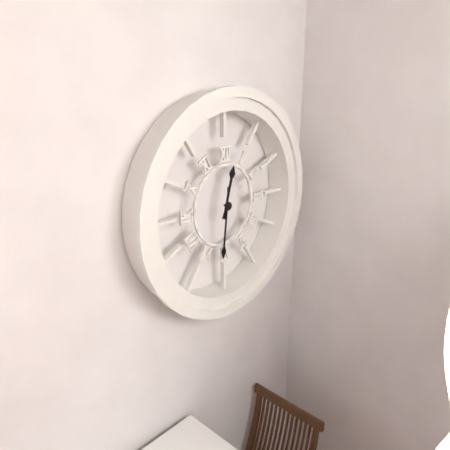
12:31
